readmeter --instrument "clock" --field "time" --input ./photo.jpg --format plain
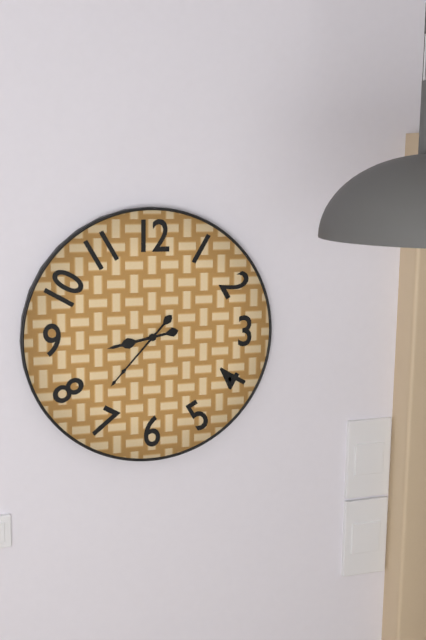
8:37
